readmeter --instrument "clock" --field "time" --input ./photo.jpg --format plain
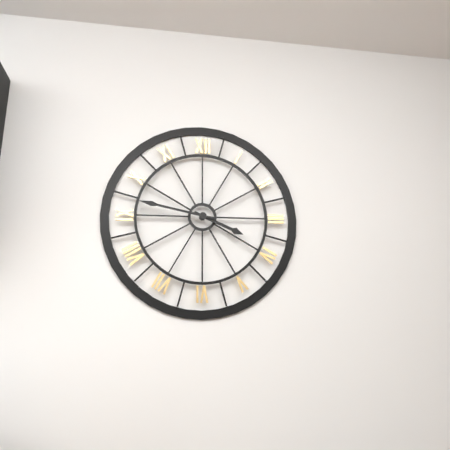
3:47
